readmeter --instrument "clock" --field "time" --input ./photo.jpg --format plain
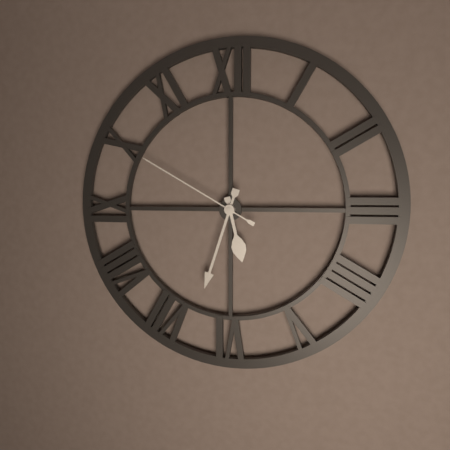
5:33:50
